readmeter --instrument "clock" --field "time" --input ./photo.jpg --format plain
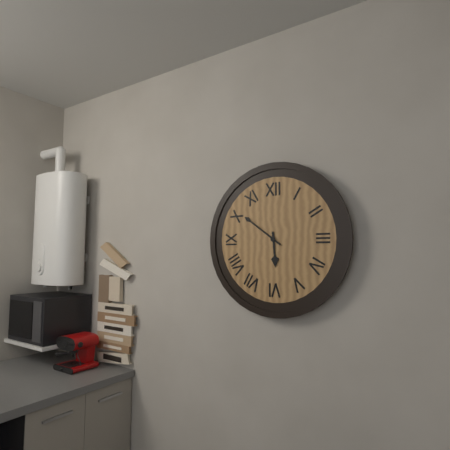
5:51
